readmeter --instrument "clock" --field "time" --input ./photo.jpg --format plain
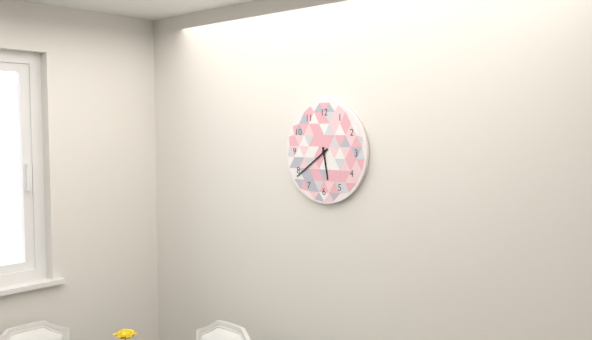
5:39
